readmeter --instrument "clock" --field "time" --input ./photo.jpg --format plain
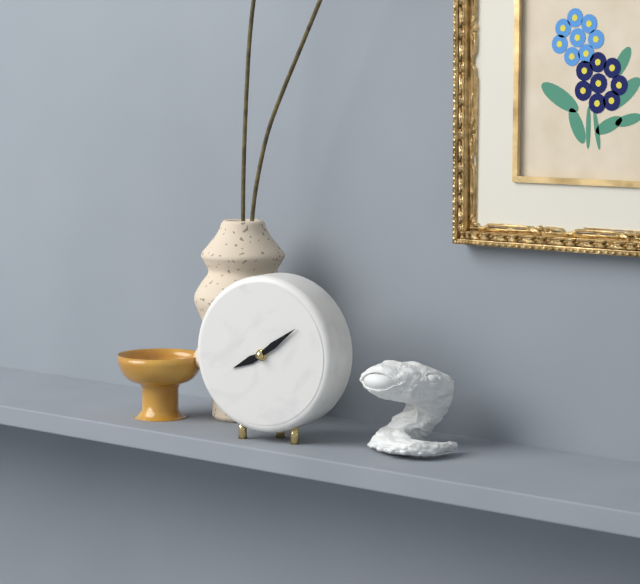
8:09
